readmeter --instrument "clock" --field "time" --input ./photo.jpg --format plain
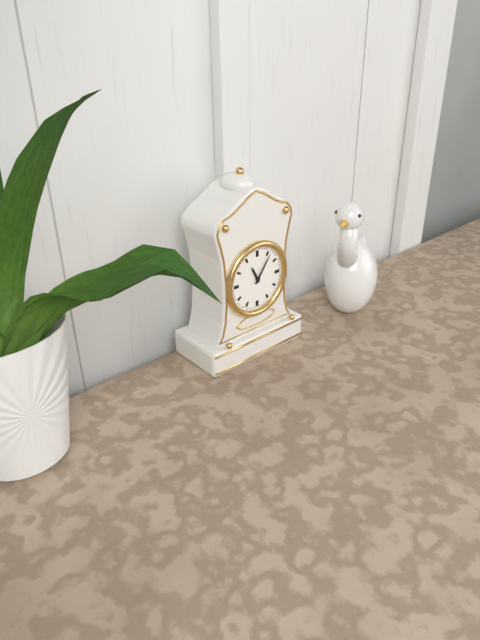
11:06
